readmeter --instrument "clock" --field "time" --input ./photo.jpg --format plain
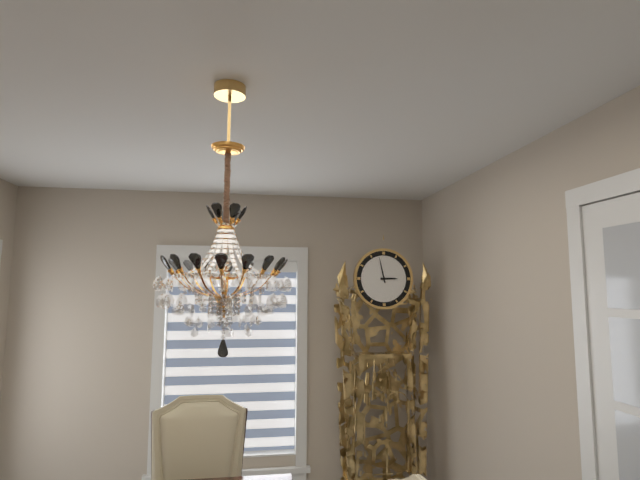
2:58
